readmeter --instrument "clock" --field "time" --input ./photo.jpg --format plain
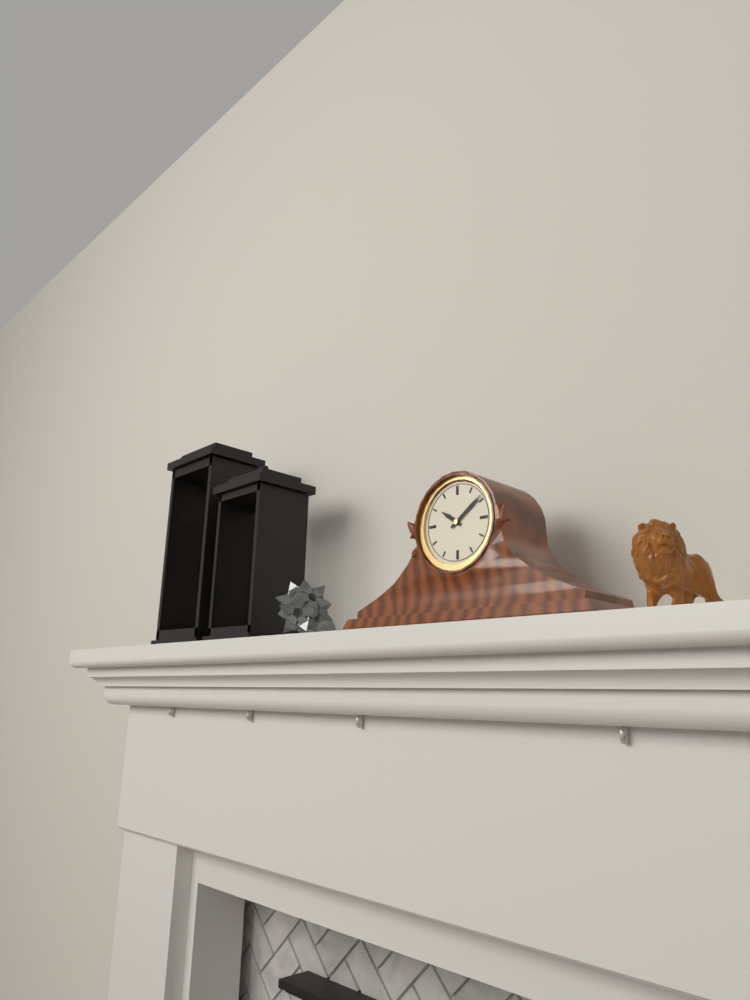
10:09
